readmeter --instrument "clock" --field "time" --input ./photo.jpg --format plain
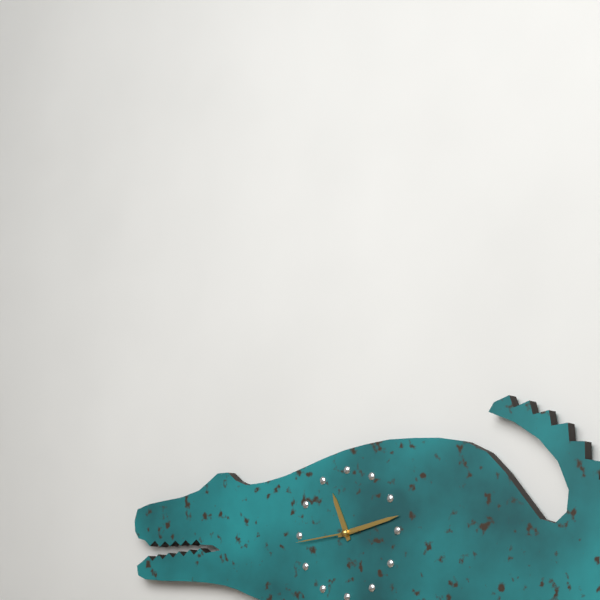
11:13:44
